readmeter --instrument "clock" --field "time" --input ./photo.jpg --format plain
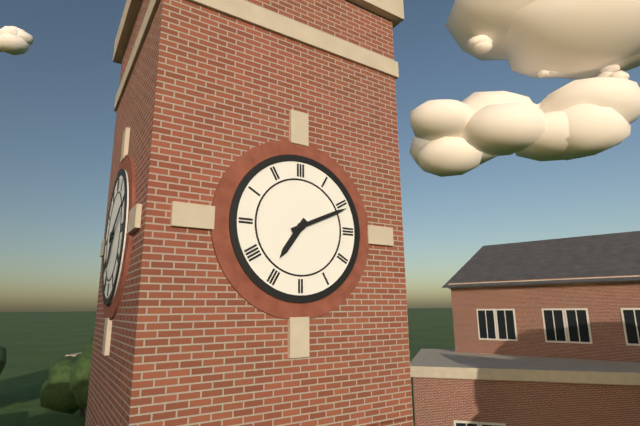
7:11
